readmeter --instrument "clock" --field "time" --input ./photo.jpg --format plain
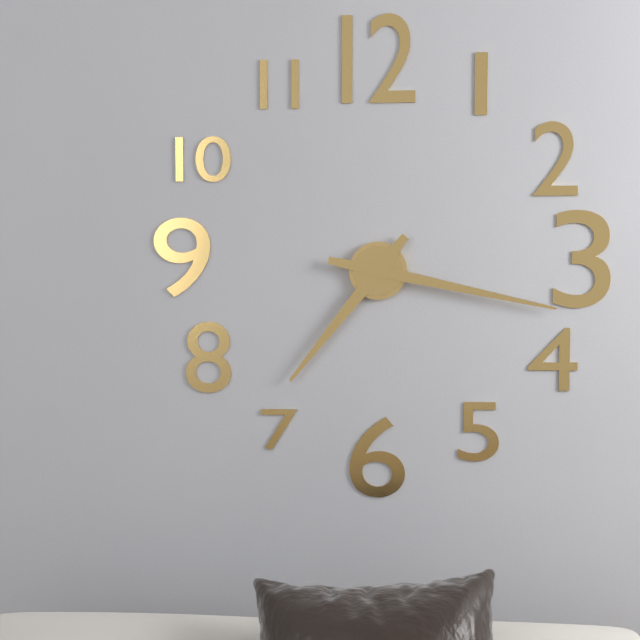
7:17
